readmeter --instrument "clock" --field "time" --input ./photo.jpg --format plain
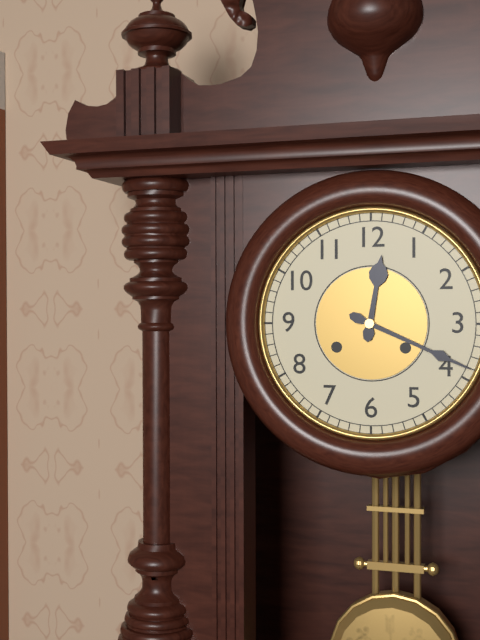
12:19
